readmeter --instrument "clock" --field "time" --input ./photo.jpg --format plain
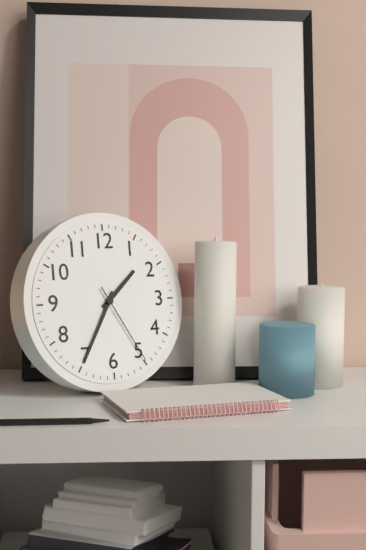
1:35:25
